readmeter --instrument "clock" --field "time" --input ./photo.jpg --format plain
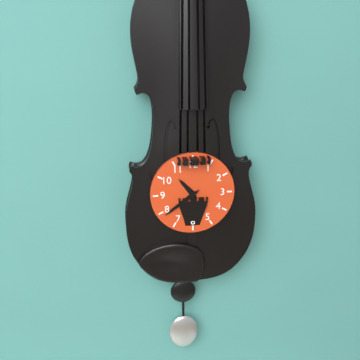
10:39
